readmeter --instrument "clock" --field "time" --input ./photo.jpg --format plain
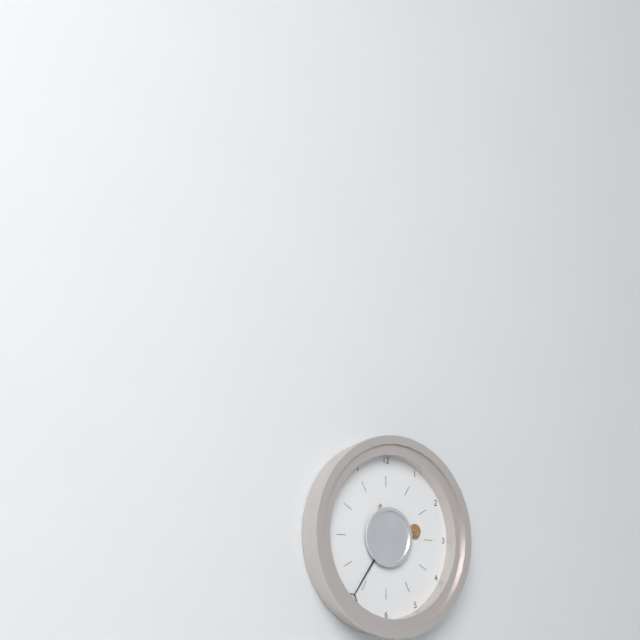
2:36
